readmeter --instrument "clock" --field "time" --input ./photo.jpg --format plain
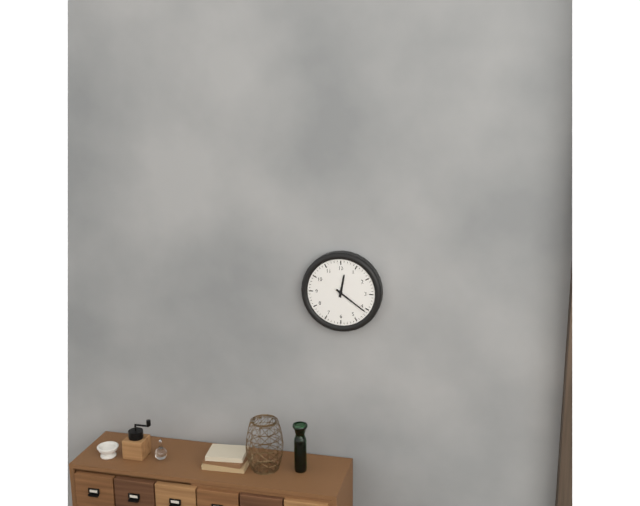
12:21
